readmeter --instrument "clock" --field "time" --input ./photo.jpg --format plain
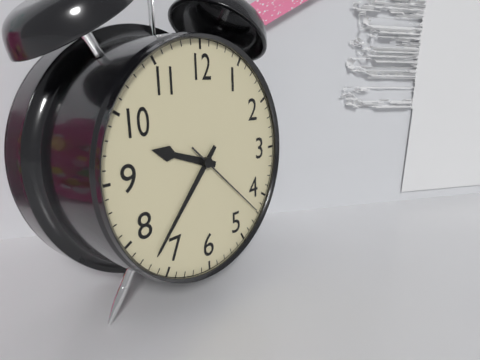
9:37:22
